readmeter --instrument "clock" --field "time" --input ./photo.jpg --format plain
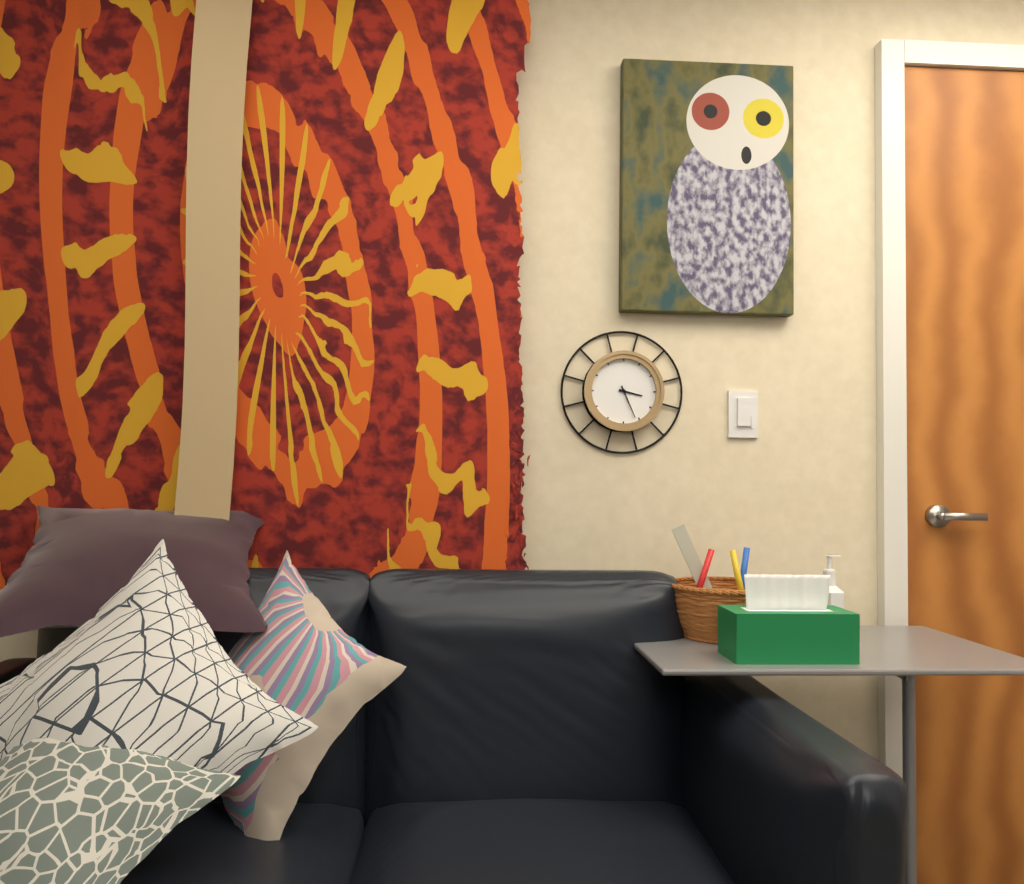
3:26
